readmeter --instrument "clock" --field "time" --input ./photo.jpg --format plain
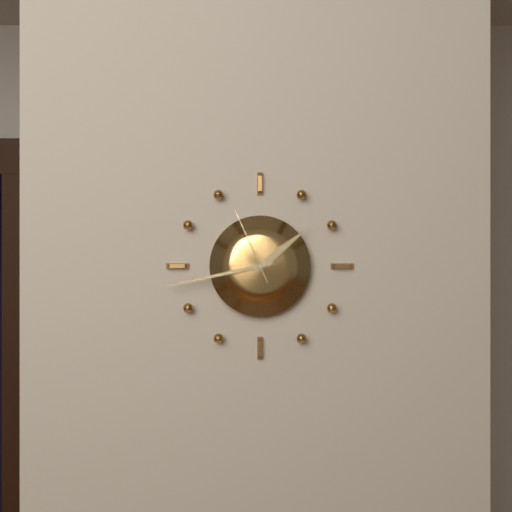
1:43:56
